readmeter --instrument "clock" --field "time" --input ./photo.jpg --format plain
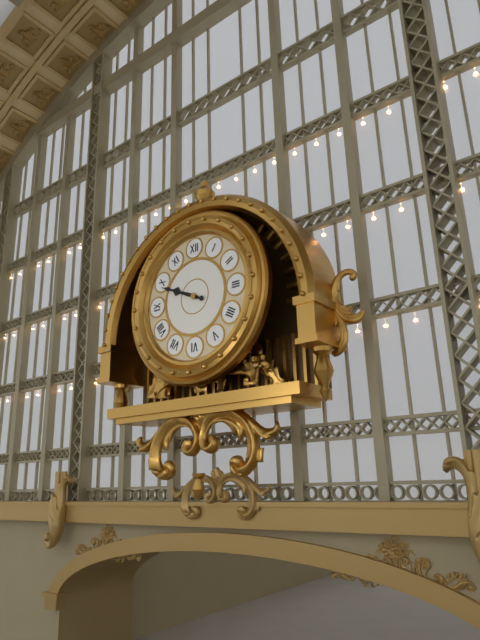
9:49
